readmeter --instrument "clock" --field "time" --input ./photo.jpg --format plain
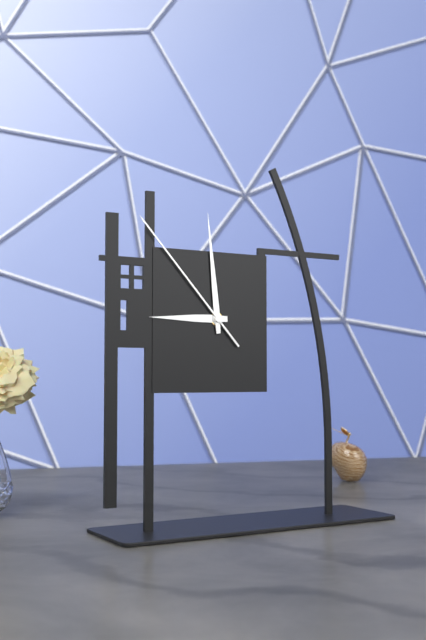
8:59:53
